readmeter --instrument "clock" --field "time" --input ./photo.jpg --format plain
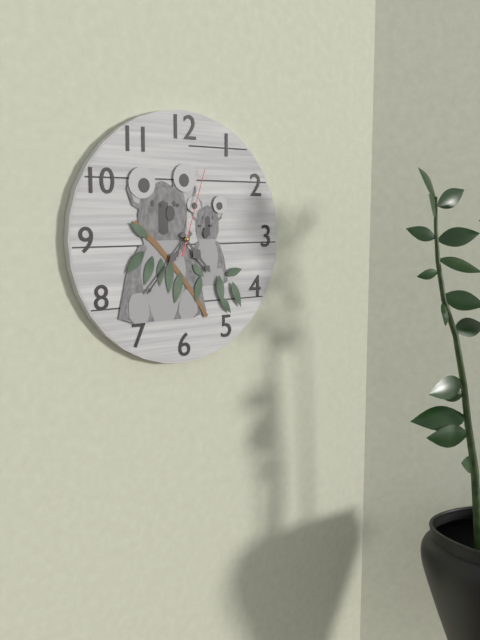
4:37:03
